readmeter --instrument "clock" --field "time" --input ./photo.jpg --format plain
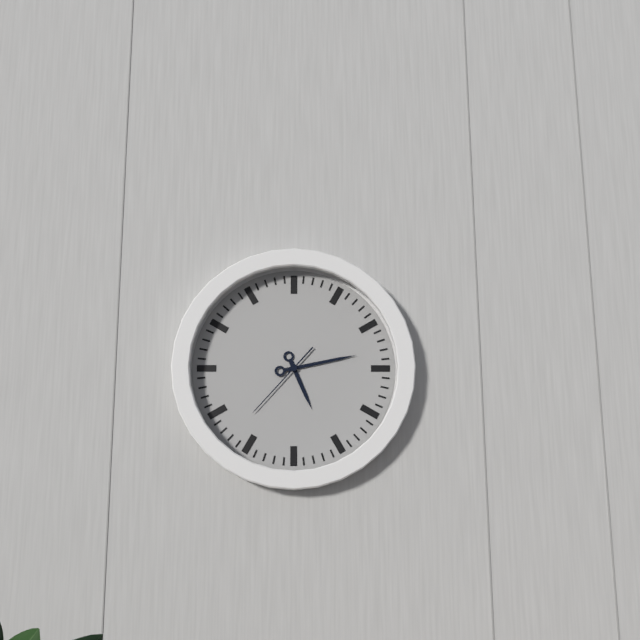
5:13:37
